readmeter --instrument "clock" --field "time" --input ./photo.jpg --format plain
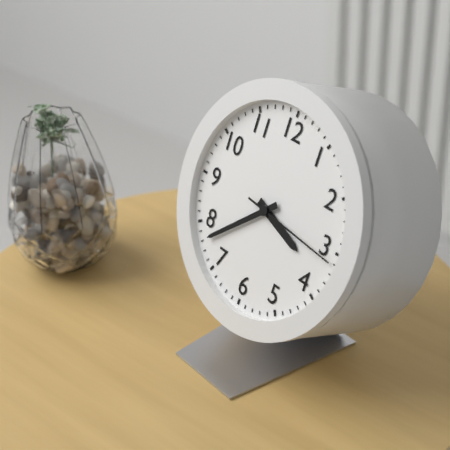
3:38:16
